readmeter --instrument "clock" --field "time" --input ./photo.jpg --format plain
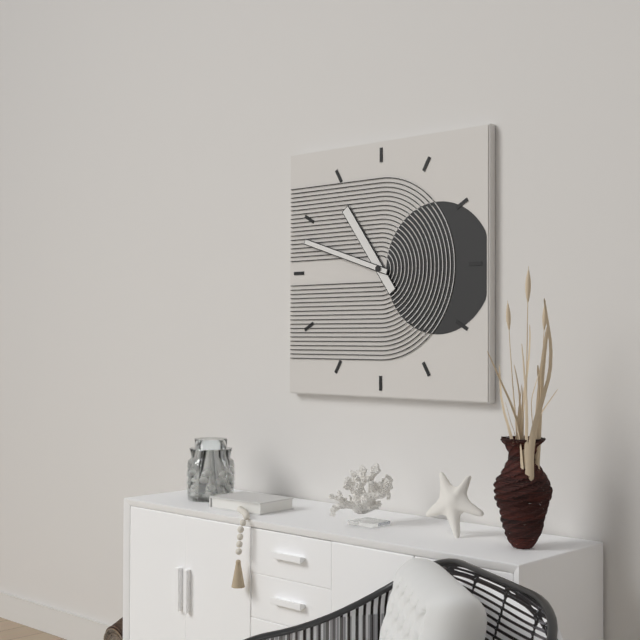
10:48
